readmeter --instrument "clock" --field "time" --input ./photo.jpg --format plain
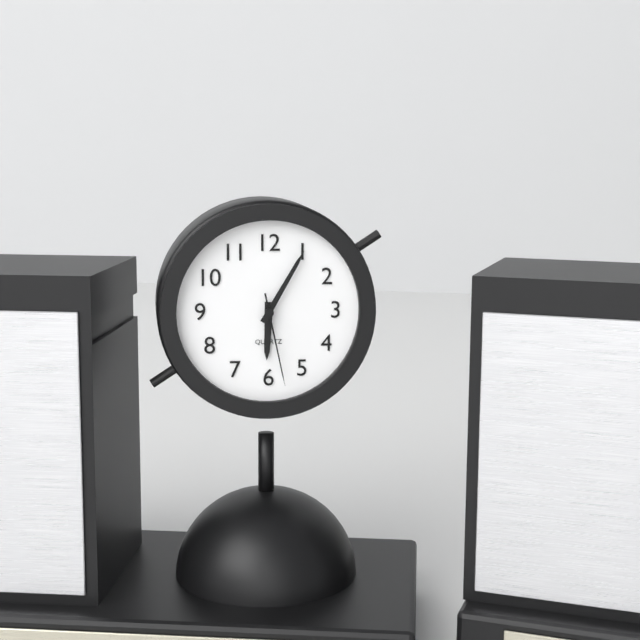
6:05:28
